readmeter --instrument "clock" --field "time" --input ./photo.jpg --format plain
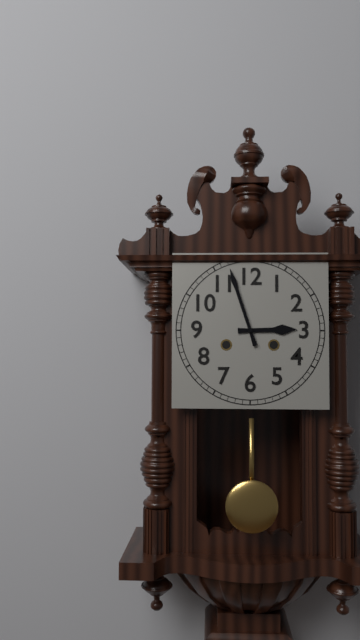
2:57
